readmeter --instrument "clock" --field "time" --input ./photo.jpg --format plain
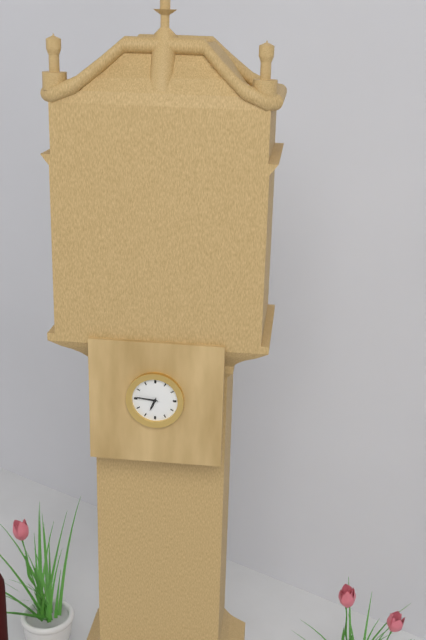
6:46
